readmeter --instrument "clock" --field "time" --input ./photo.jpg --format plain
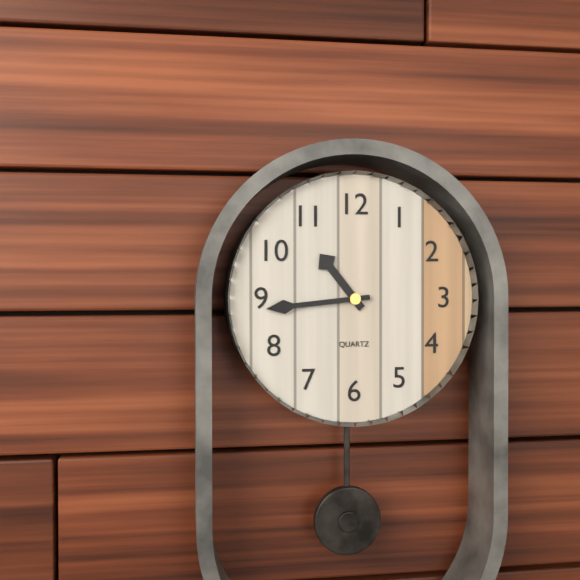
10:44
